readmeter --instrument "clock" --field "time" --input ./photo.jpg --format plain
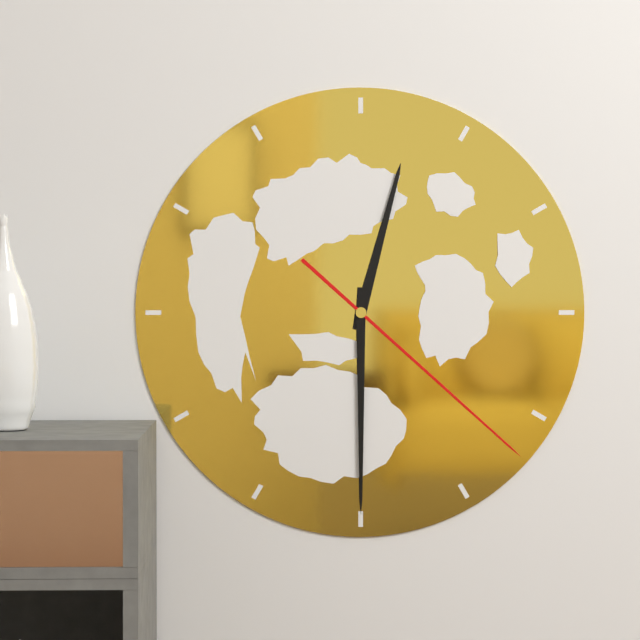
12:30:22
